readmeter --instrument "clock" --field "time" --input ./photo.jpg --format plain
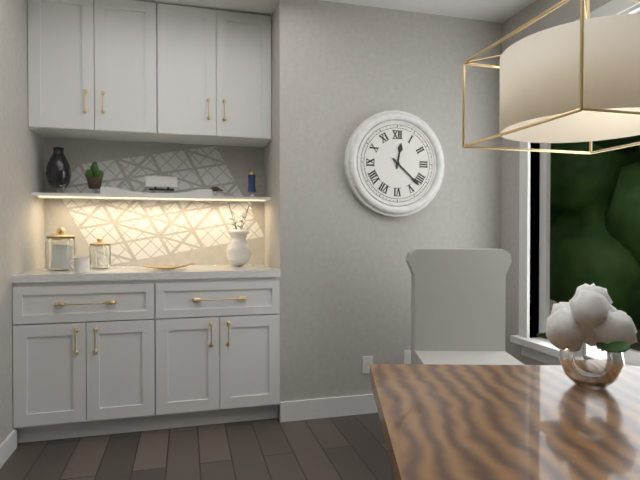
12:22
